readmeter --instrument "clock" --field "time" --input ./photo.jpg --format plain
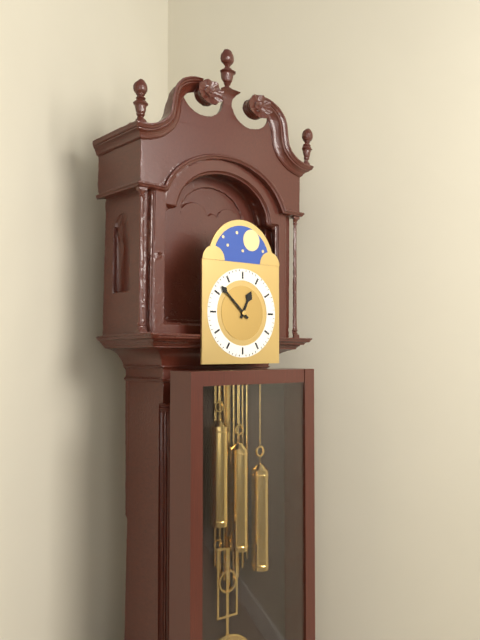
12:52
